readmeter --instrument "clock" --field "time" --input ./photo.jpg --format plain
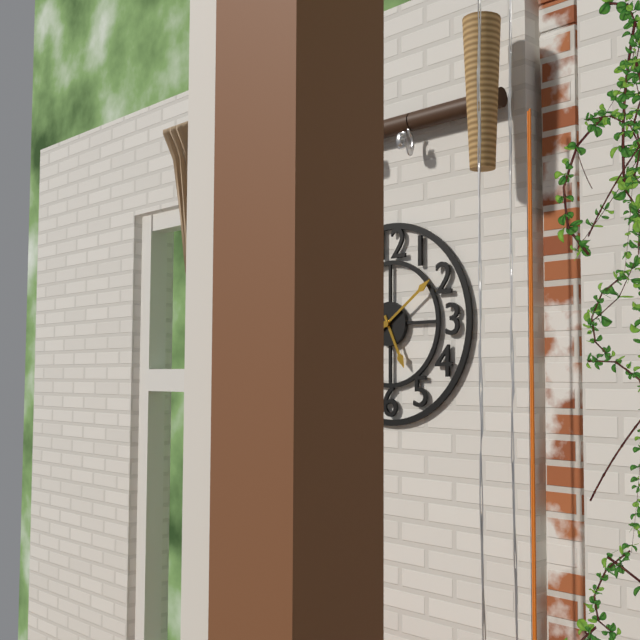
5:09
